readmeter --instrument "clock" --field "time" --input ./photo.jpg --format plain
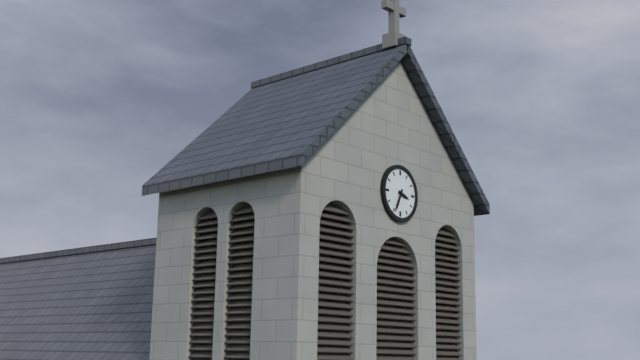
3:34
